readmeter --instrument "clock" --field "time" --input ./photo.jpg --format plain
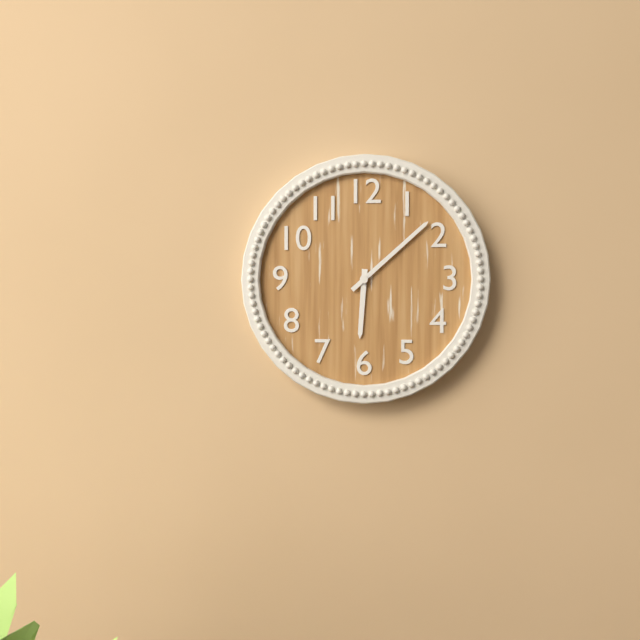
6:08
